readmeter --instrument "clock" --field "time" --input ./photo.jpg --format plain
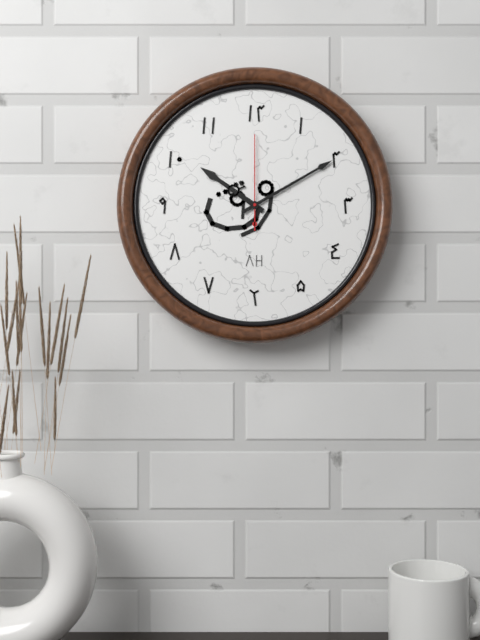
10:10:00
